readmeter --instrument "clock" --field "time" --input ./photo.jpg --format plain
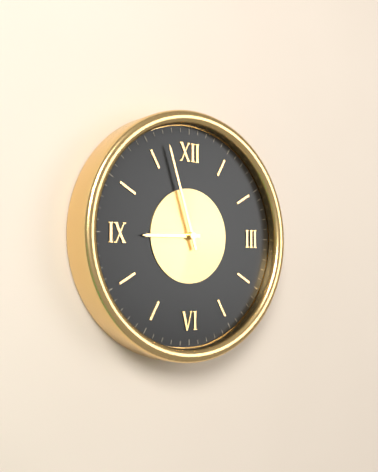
8:57
